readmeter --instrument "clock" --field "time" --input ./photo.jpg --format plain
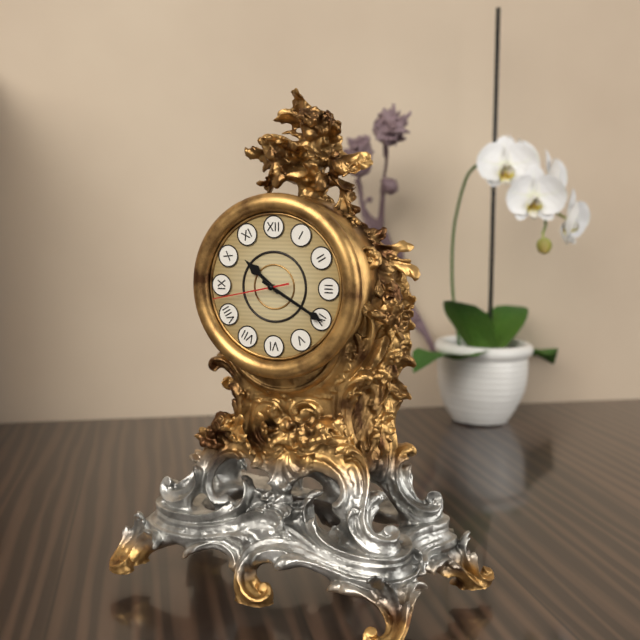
10:20:43
